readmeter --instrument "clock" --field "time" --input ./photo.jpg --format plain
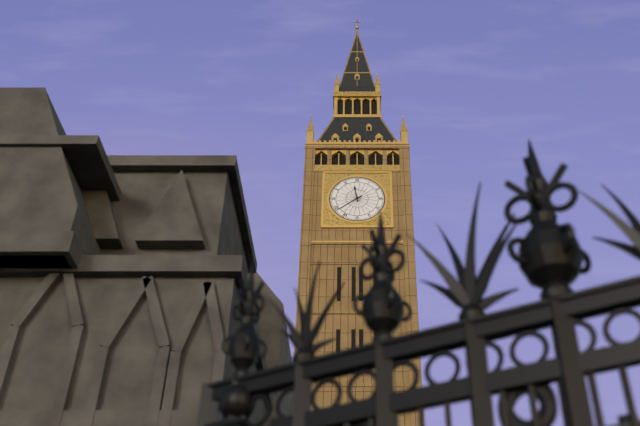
11:39
